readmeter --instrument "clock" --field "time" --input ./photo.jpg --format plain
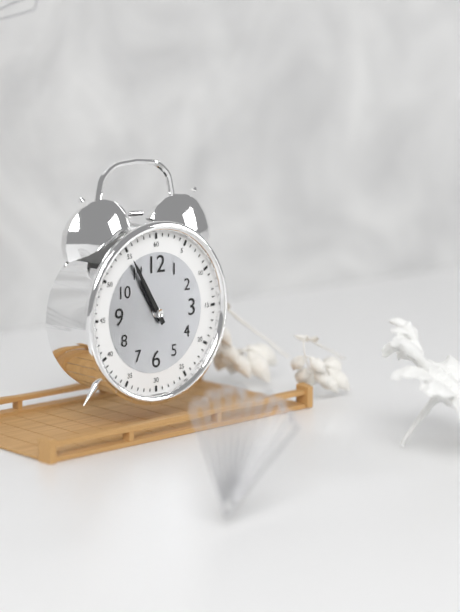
10:55
